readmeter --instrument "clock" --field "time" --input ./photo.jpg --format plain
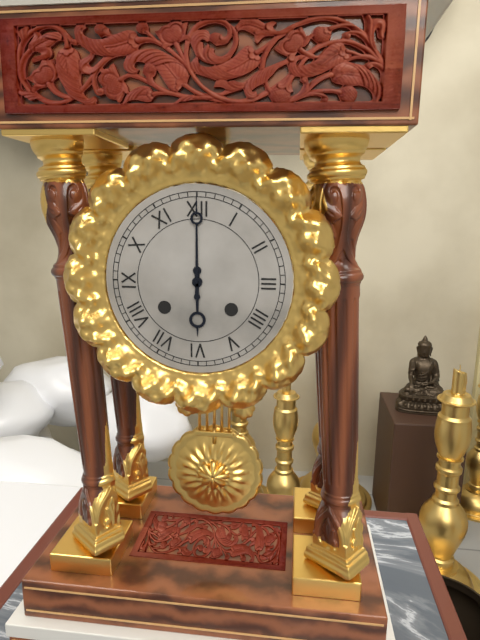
6:00
